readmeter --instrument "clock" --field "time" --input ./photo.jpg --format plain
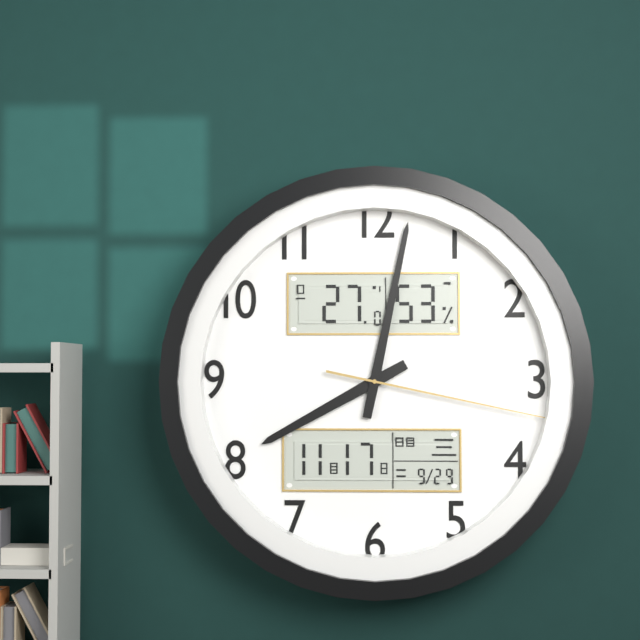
8:02:17
